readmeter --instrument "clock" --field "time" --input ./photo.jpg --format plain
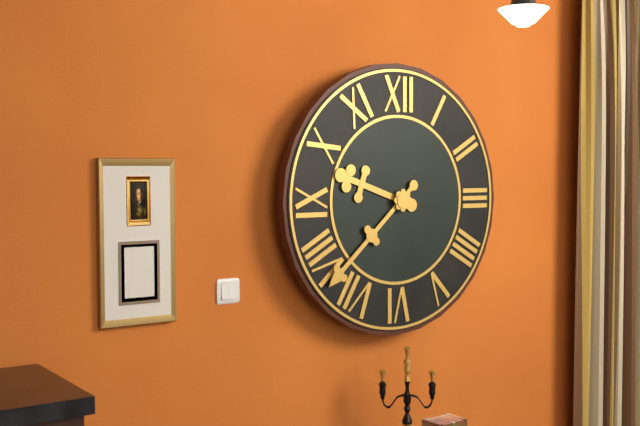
9:38
